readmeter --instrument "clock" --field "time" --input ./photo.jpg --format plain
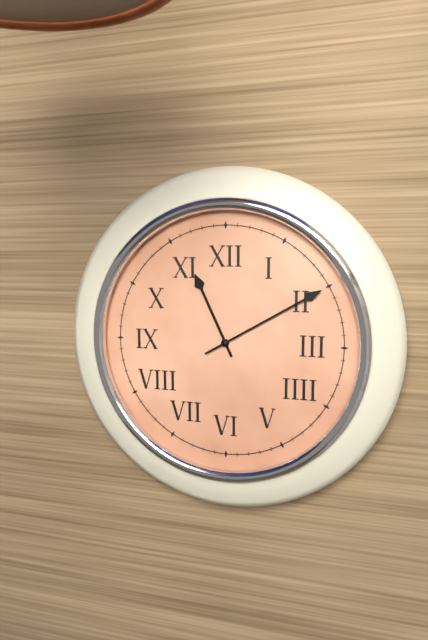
11:10
